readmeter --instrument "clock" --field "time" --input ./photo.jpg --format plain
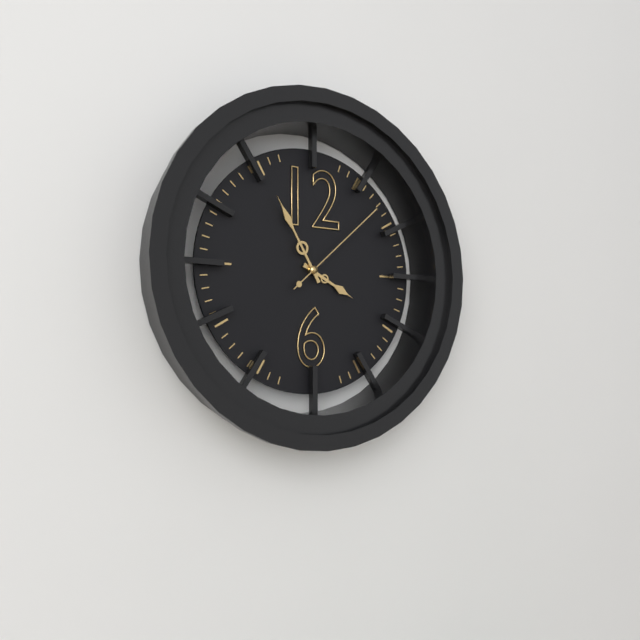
3:55:08
